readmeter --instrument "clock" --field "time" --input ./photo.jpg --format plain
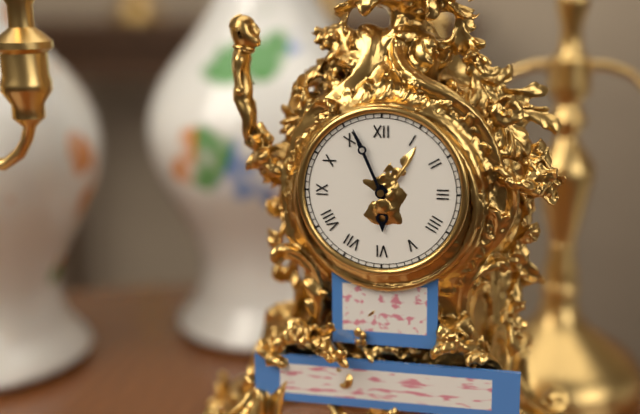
5:56
